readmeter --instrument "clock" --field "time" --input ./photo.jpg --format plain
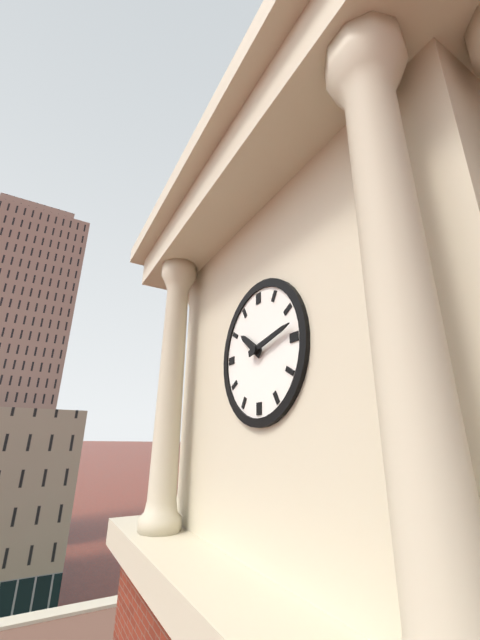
10:13
